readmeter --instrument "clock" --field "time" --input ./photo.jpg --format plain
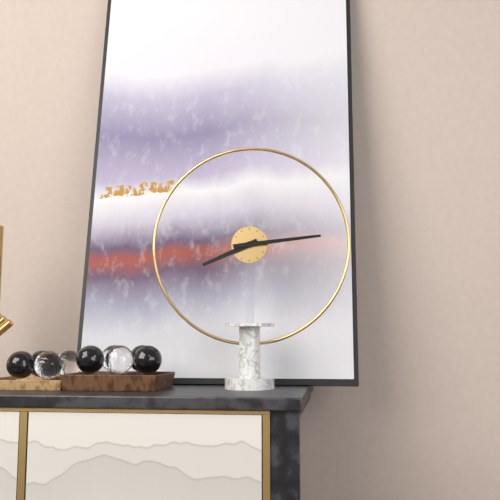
8:14
